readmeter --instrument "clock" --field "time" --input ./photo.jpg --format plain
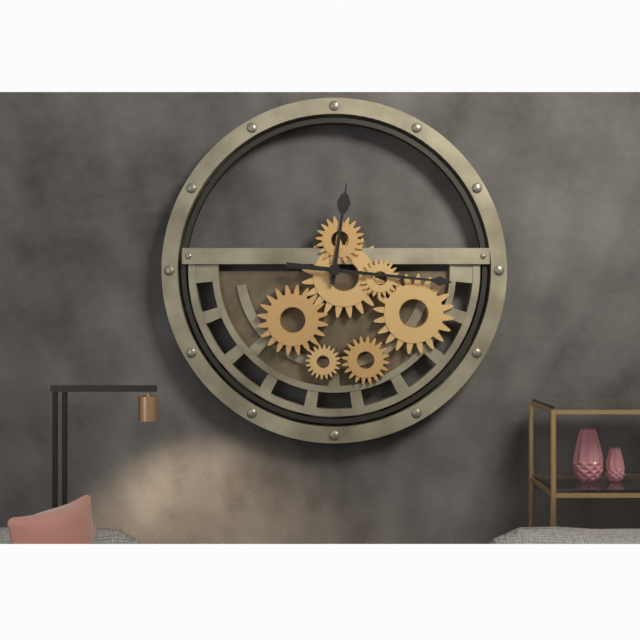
12:16
